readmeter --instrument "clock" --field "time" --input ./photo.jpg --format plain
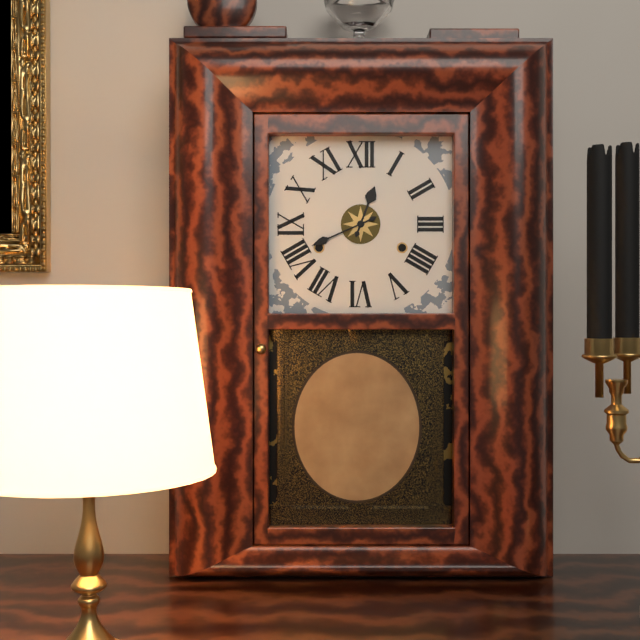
12:41
